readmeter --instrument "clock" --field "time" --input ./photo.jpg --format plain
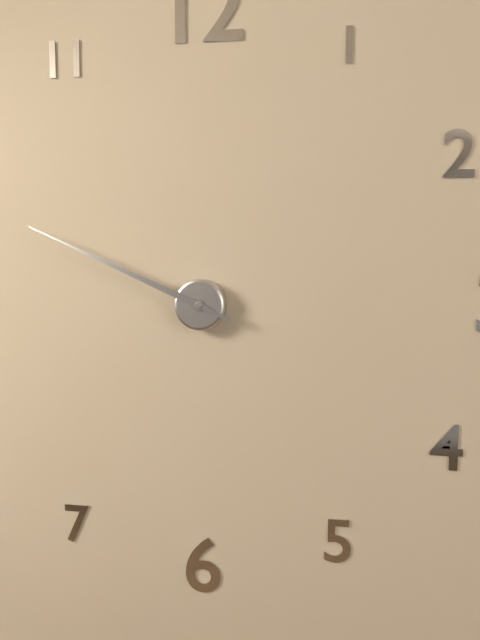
9:49
